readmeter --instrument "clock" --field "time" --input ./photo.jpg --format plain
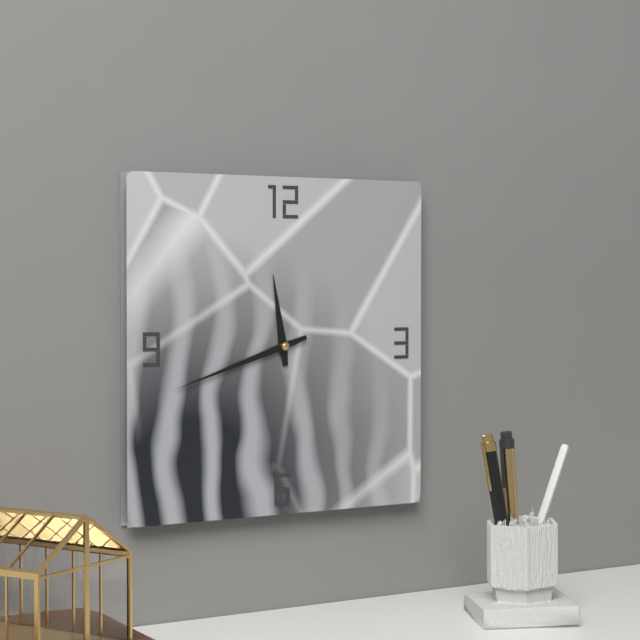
11:42
